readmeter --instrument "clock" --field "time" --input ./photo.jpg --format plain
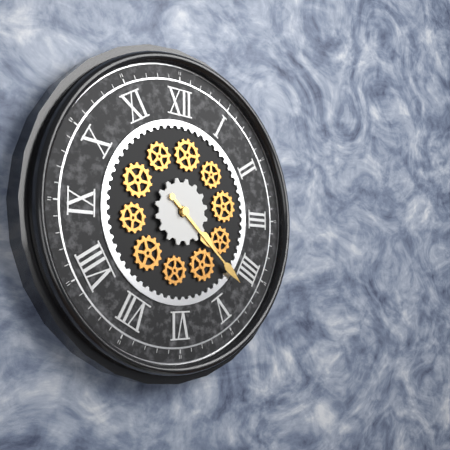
4:22
